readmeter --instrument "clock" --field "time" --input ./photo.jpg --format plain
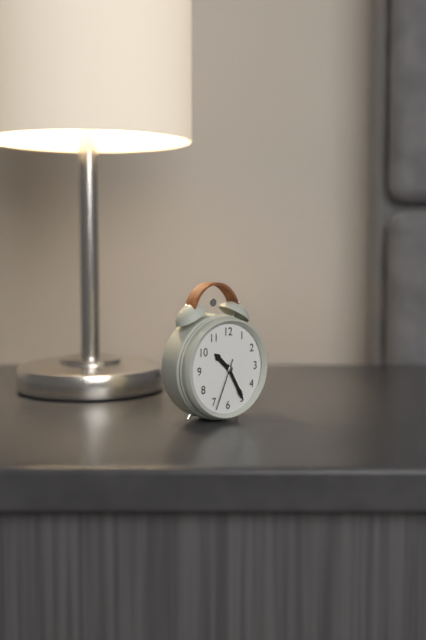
10:25:34
